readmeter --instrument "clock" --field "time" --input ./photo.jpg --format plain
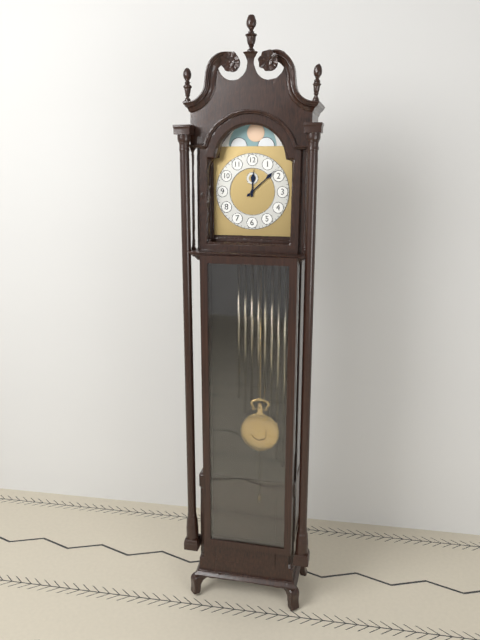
12:08
